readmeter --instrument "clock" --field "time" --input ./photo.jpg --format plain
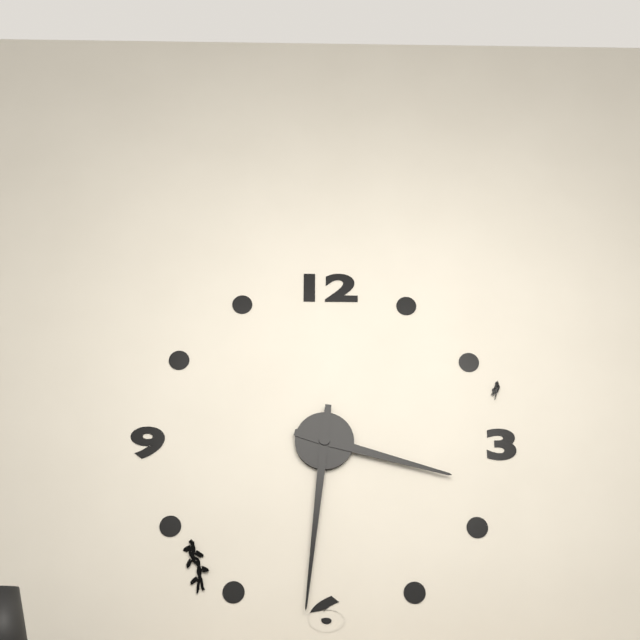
3:31
